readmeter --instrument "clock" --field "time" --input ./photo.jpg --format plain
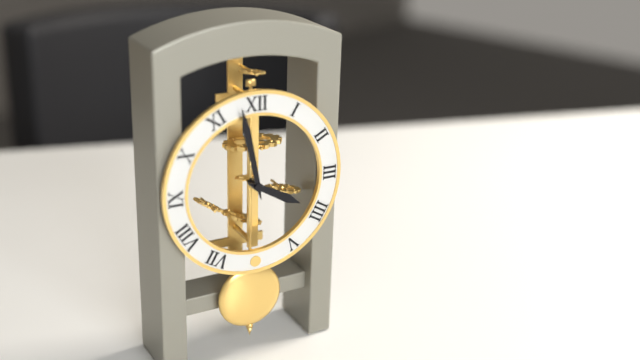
3:58
